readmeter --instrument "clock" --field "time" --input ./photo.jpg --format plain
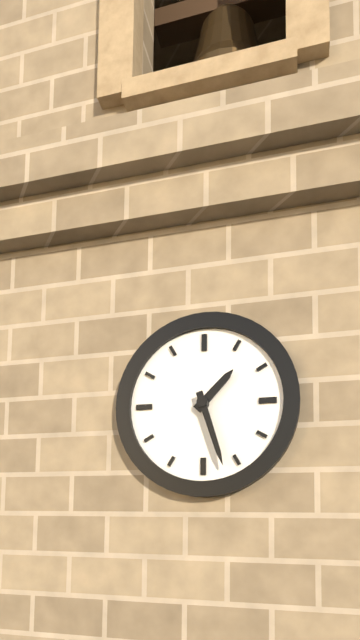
1:27
